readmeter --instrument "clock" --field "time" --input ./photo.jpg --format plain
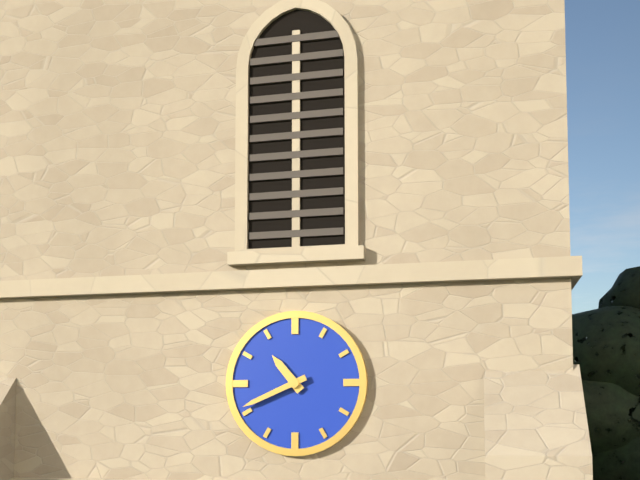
10:41
